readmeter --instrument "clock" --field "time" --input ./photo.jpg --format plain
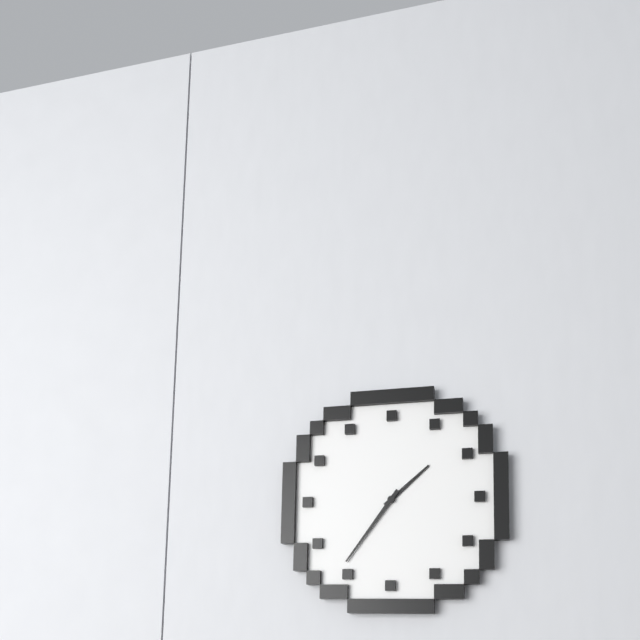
1:36
